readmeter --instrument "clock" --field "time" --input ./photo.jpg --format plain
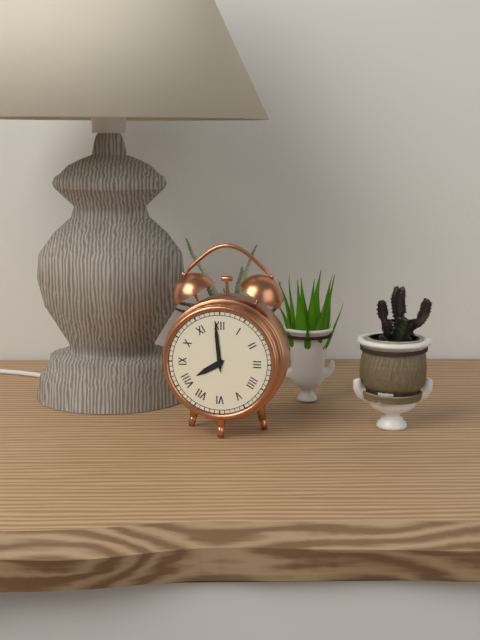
7:59
